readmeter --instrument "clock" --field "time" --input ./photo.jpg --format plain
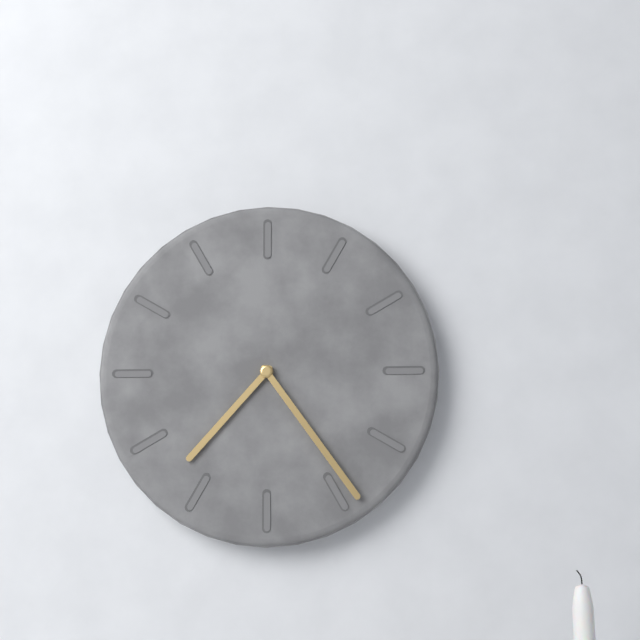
7:24
